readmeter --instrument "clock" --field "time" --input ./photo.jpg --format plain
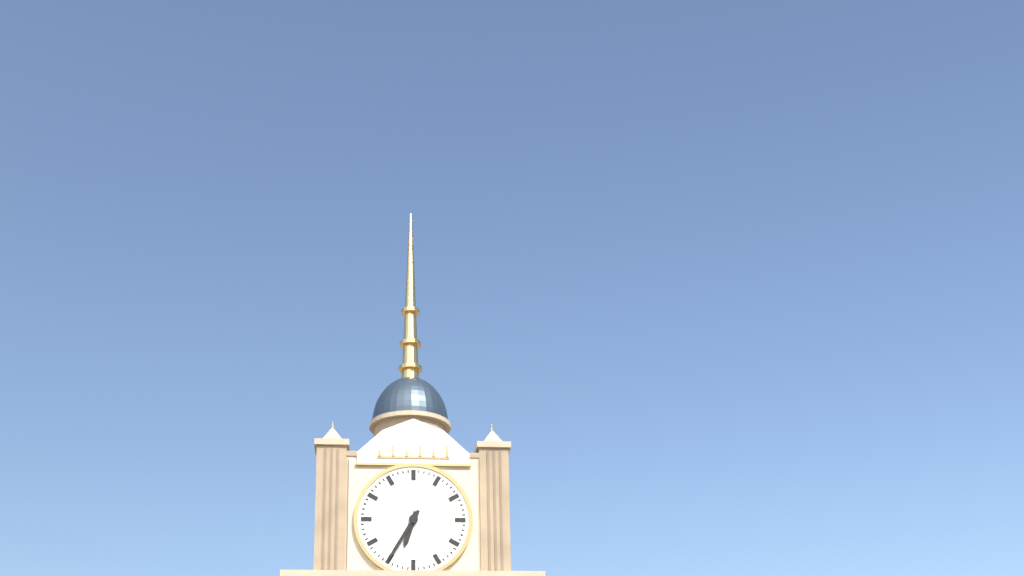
6:35
